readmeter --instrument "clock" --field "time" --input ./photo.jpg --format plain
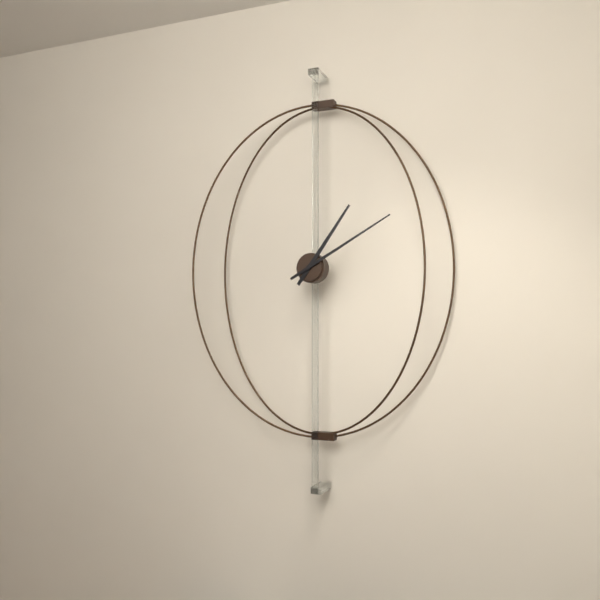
1:10
